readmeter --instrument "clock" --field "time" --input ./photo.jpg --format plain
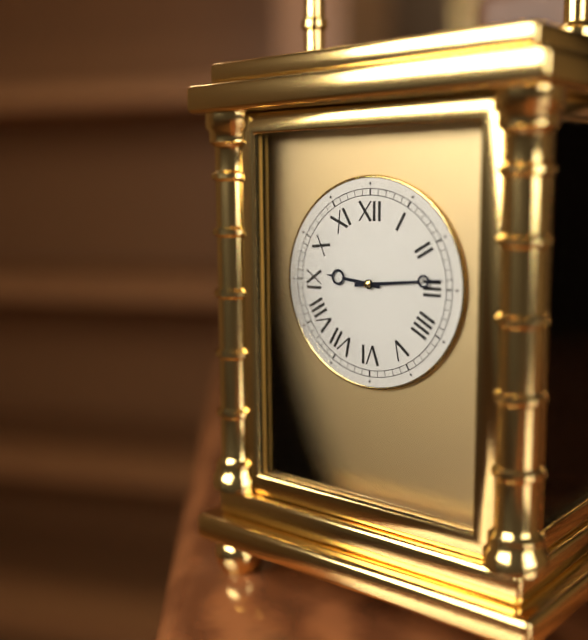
9:14
